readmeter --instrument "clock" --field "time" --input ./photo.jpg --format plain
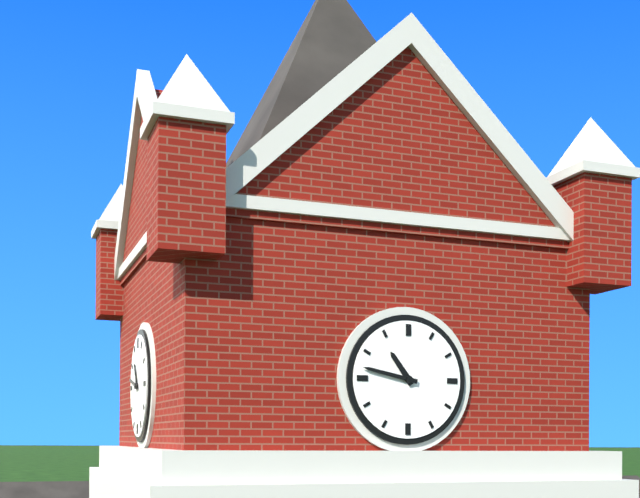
10:47
